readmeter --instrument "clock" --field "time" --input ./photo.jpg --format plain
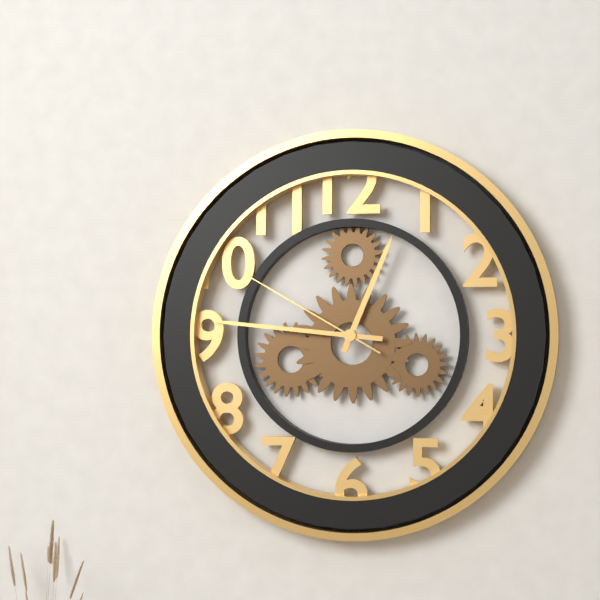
12:46:50
